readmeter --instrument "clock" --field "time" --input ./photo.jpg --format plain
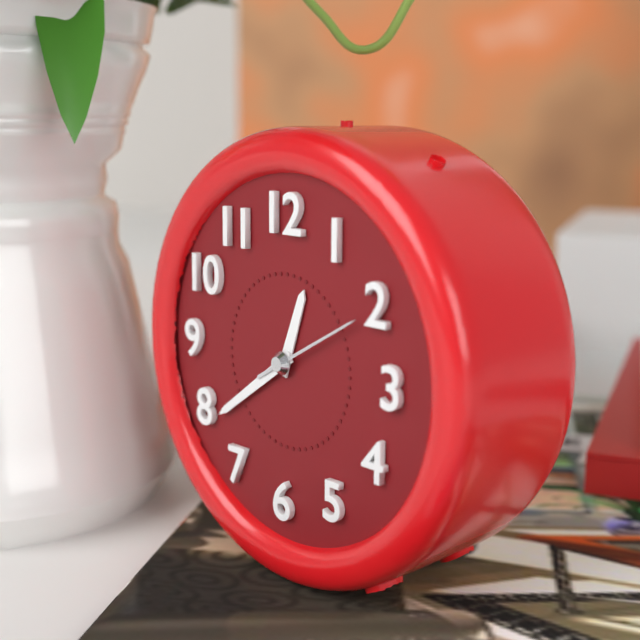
12:39:10
